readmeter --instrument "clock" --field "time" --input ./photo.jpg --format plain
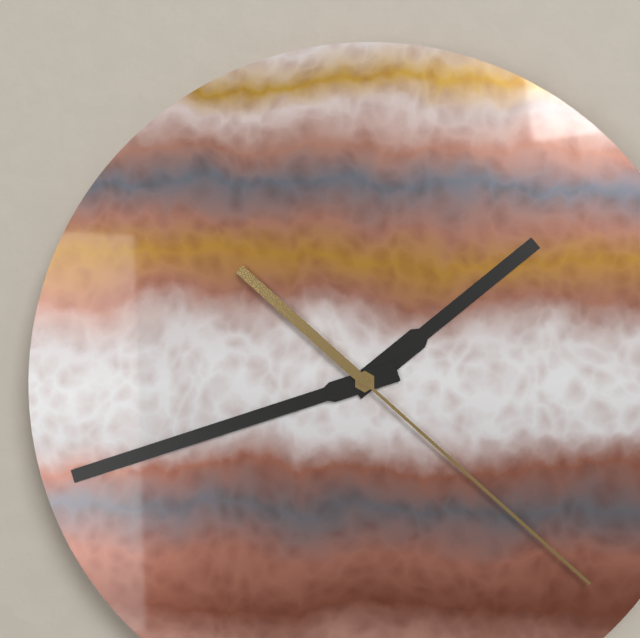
1:42:22
